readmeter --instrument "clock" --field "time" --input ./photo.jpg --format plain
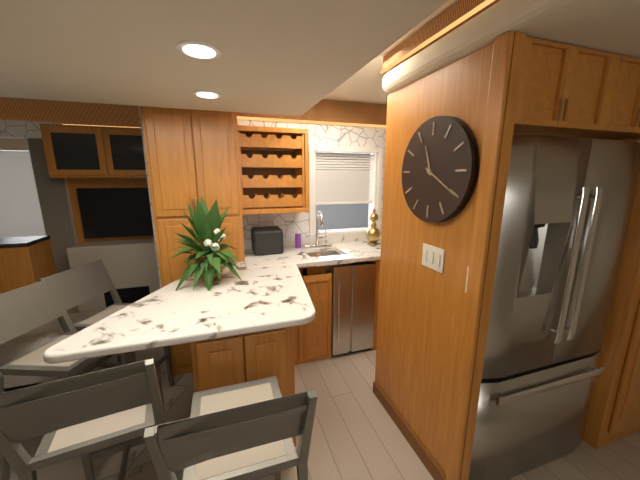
11:20
